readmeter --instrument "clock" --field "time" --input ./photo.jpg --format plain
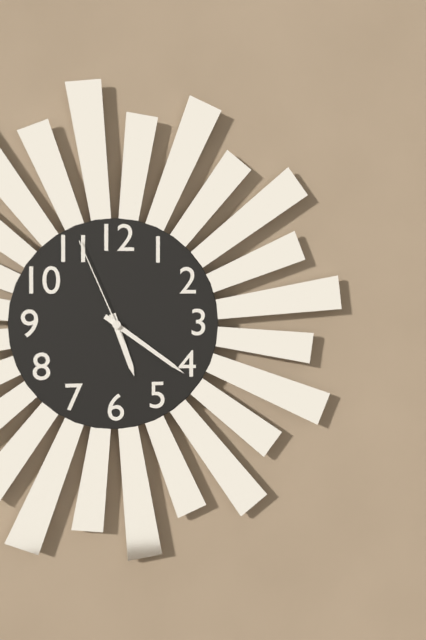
5:21:56
